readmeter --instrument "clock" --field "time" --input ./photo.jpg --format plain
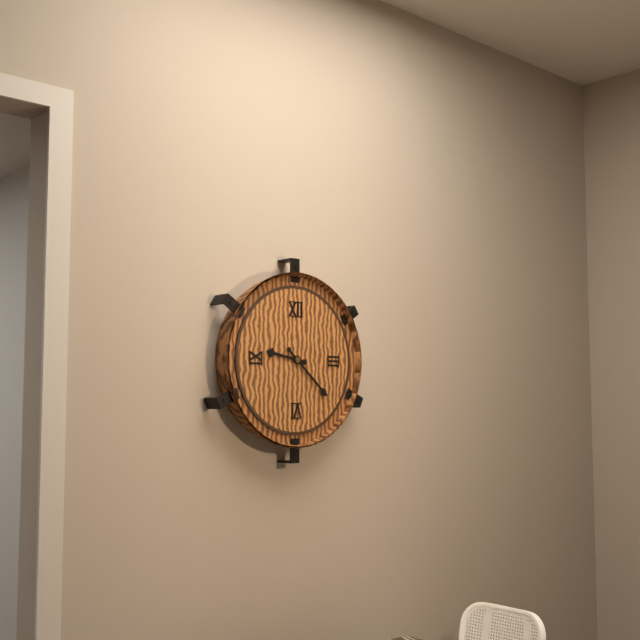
9:22
